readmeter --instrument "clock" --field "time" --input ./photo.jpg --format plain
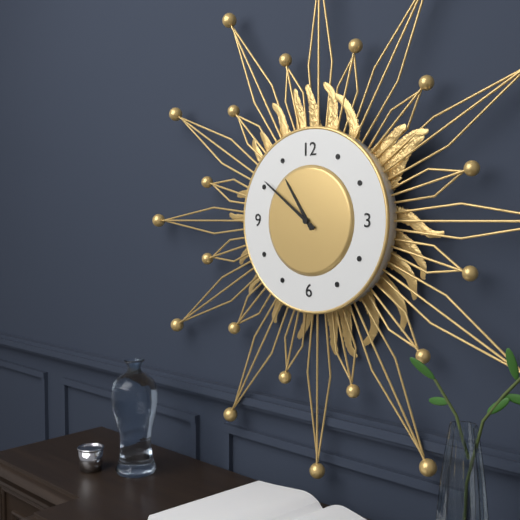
10:51
